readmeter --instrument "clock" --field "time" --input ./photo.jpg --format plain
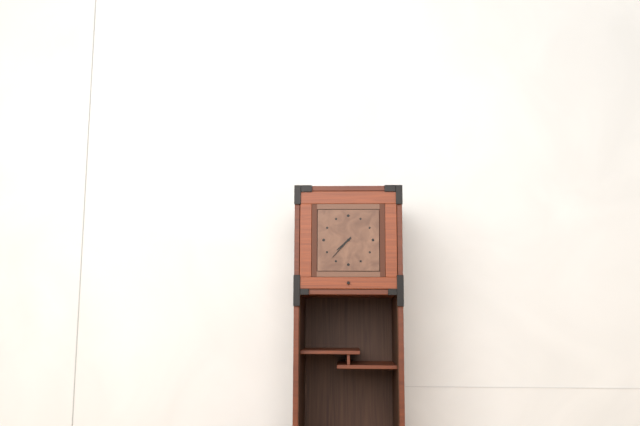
7:37
